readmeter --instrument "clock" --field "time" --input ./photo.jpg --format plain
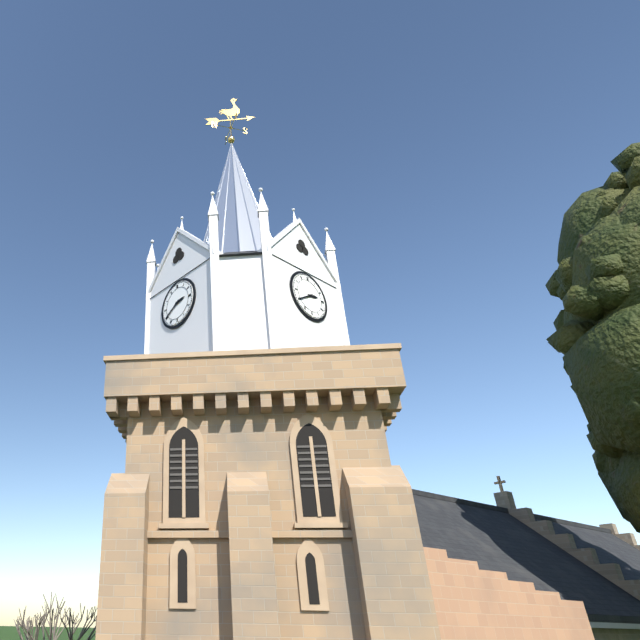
2:40
